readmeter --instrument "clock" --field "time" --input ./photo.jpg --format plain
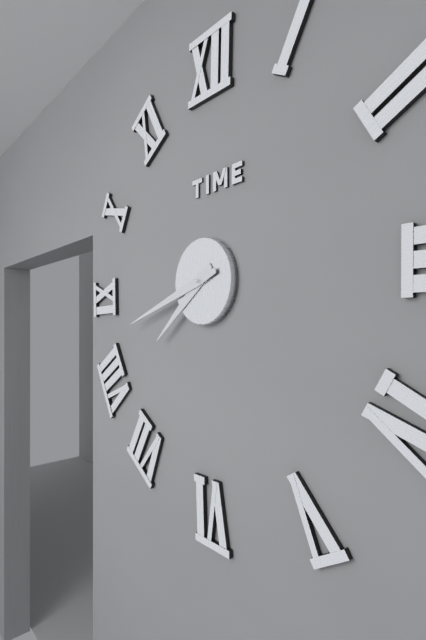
7:42
